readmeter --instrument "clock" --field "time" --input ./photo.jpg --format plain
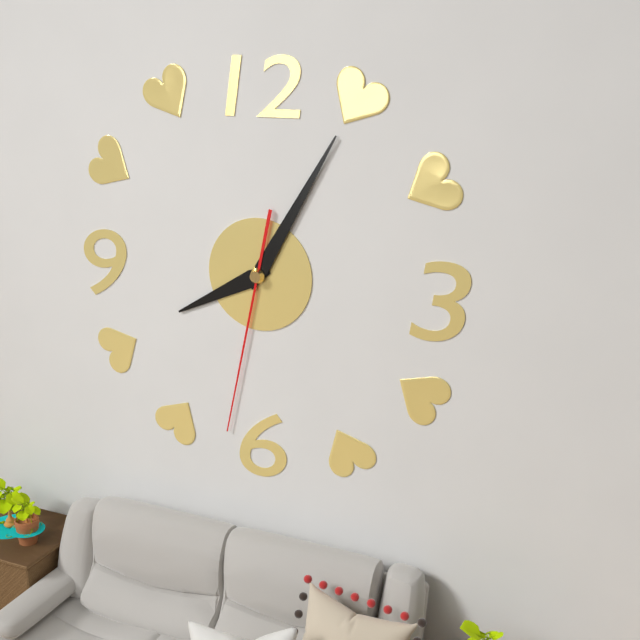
8:05:32
